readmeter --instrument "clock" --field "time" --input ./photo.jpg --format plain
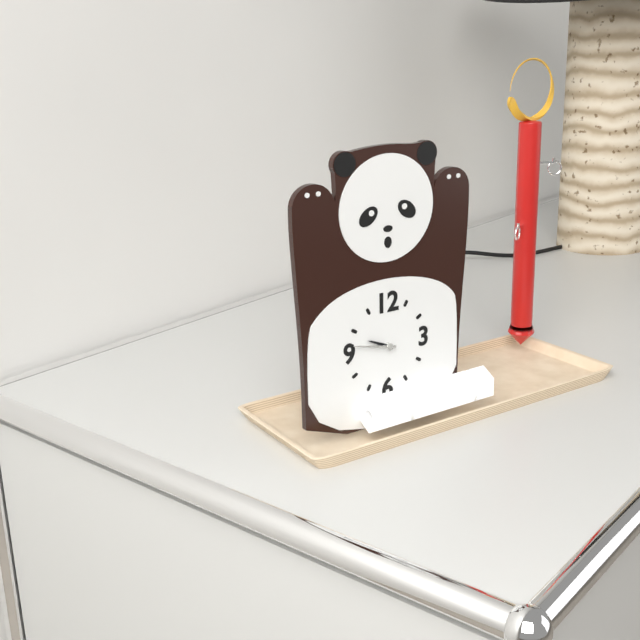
9:47
